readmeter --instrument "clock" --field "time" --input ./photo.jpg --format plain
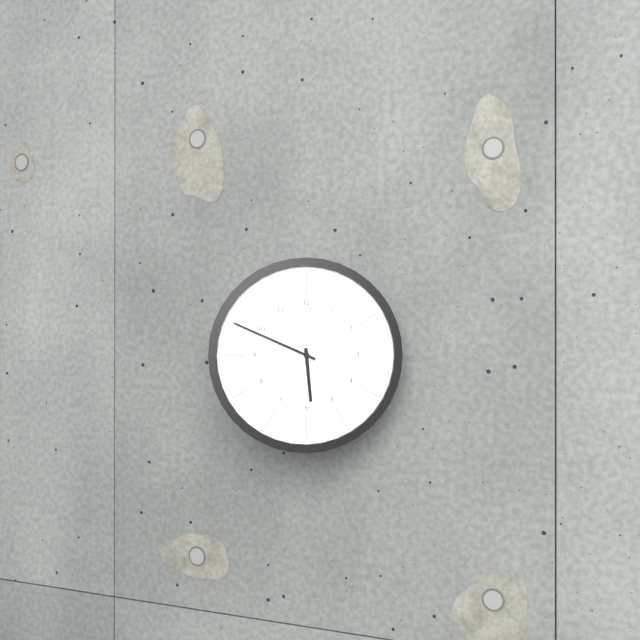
5:49
